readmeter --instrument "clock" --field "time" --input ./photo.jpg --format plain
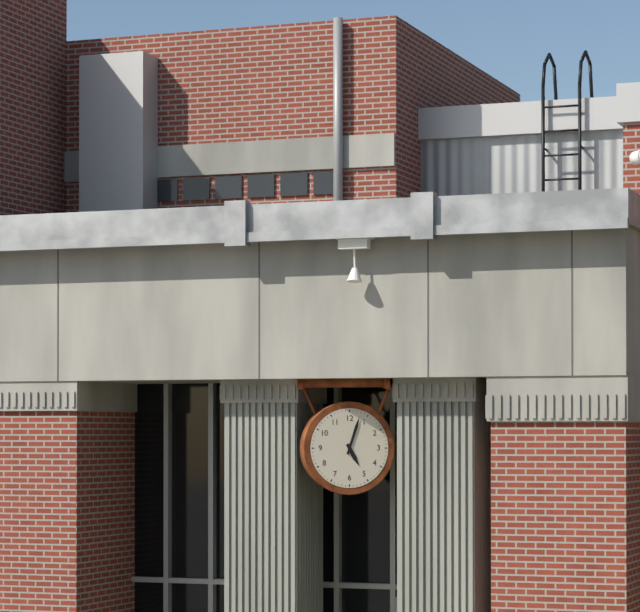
5:03
